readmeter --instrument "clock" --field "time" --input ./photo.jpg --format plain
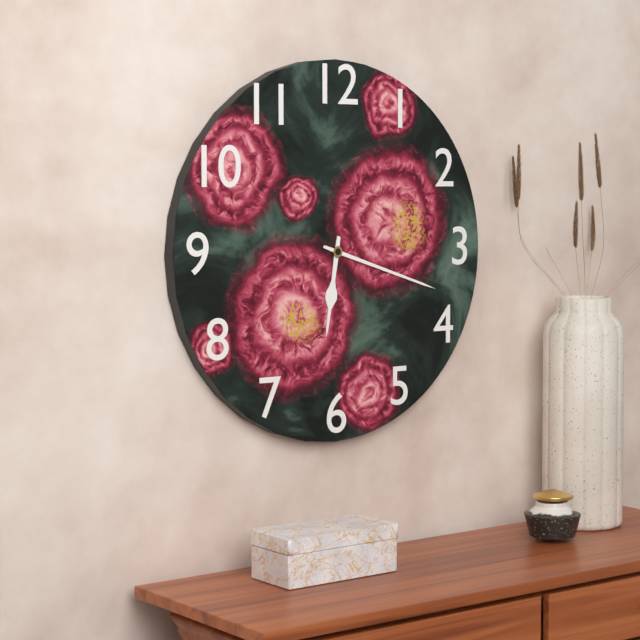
6:18
